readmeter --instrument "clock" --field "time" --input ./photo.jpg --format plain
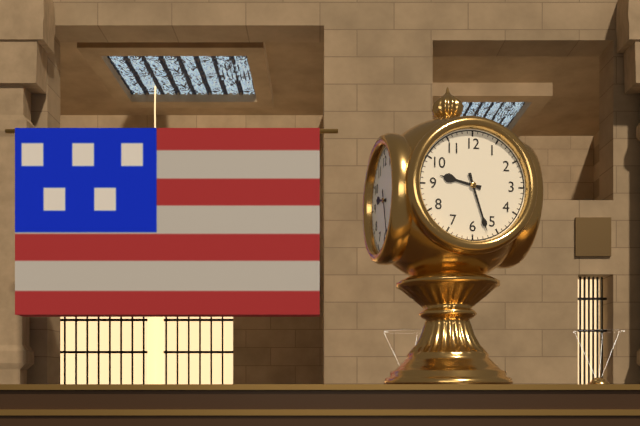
9:27
